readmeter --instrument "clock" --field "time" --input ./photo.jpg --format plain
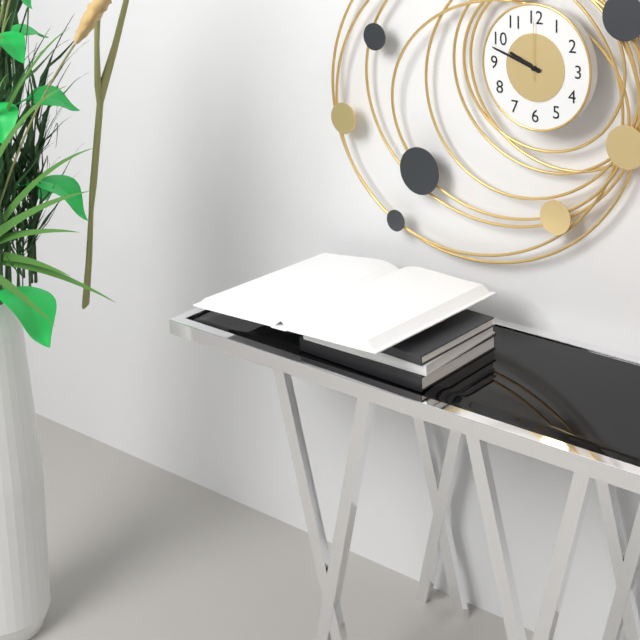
9:48:00
